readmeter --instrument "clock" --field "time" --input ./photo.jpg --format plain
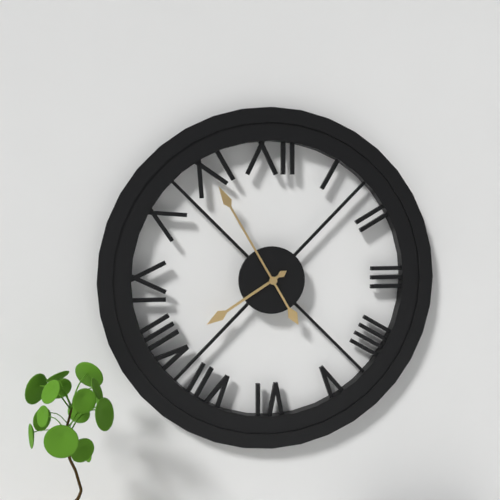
7:55
